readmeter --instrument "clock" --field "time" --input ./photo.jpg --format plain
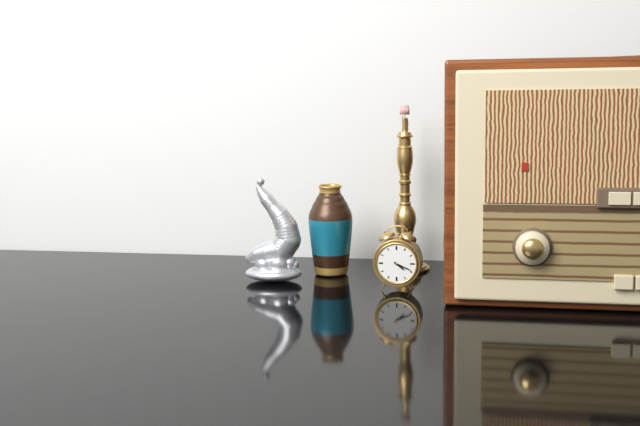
4:19
